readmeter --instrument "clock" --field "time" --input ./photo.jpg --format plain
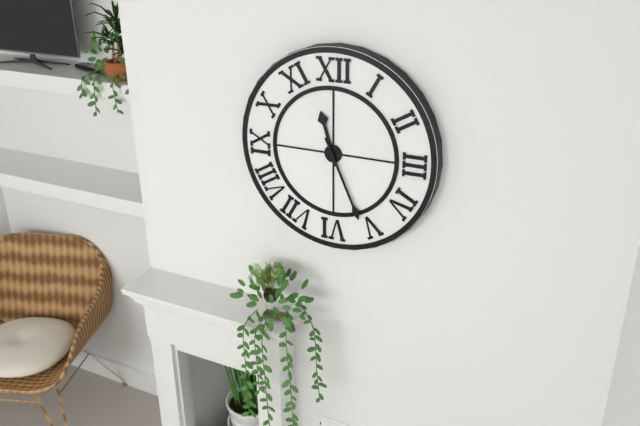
11:26
